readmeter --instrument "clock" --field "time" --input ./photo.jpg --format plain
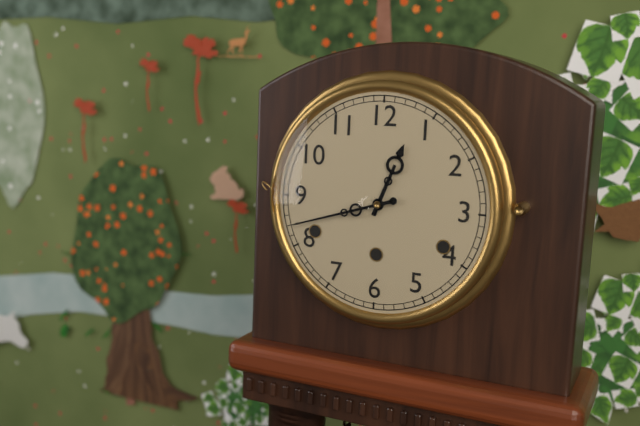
12:42
